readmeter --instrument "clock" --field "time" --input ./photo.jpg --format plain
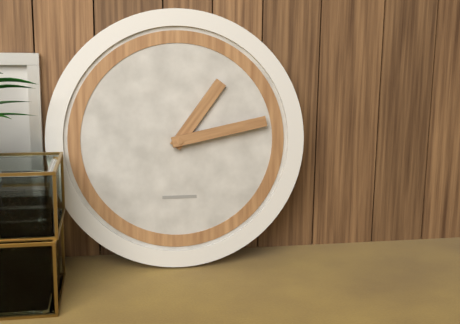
1:13
